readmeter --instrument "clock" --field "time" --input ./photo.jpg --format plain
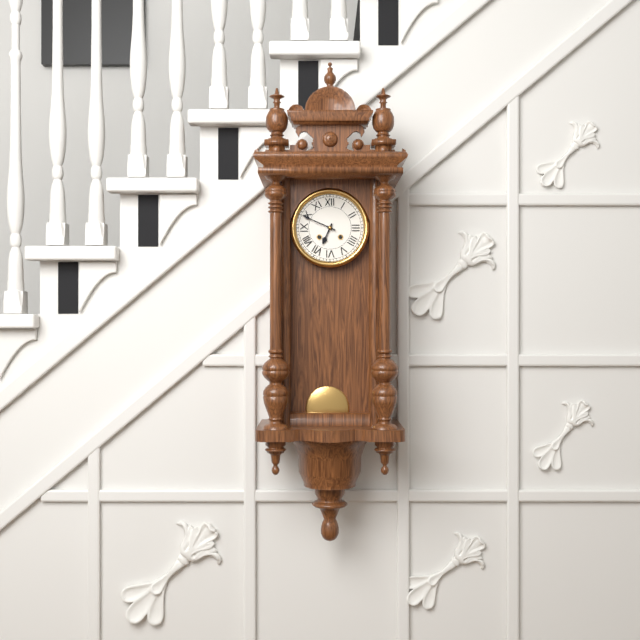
6:49
